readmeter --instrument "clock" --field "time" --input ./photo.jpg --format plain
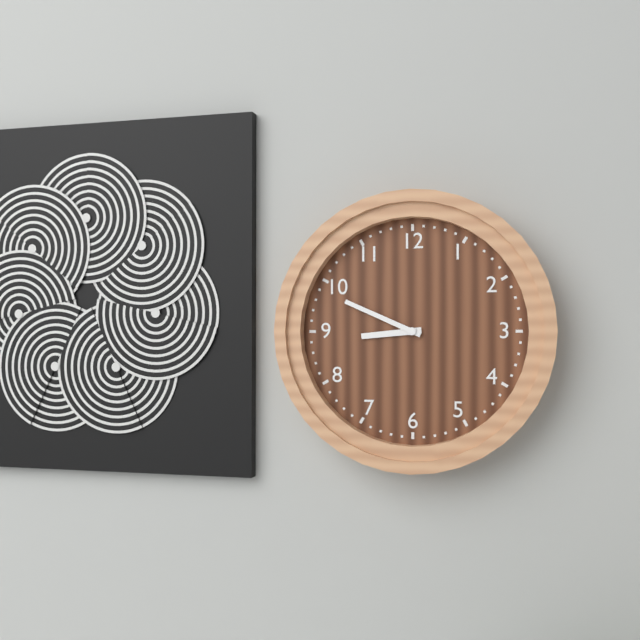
8:49
